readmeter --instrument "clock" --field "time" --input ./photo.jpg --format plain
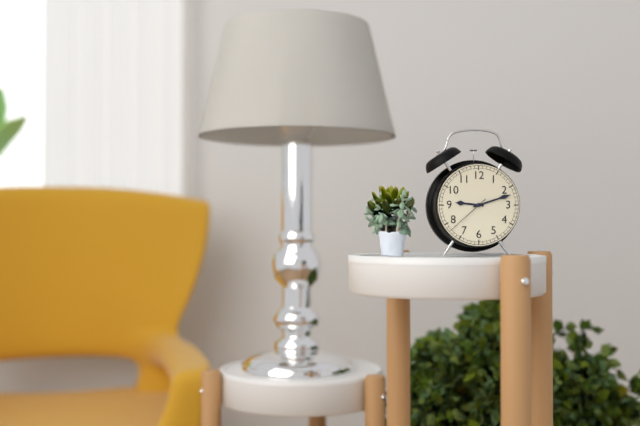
9:12
